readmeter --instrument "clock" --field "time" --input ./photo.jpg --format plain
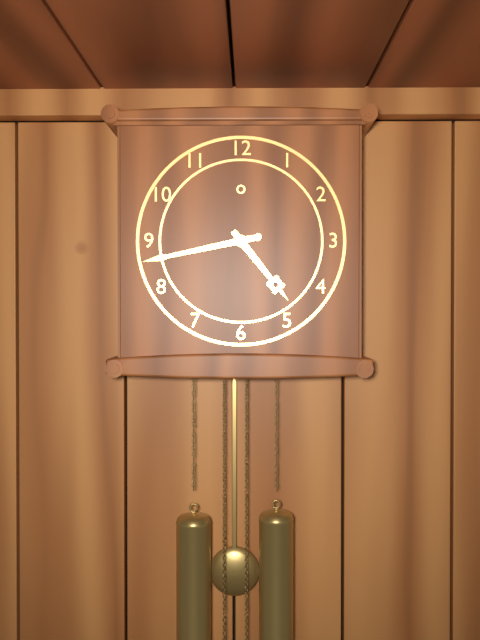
4:43
